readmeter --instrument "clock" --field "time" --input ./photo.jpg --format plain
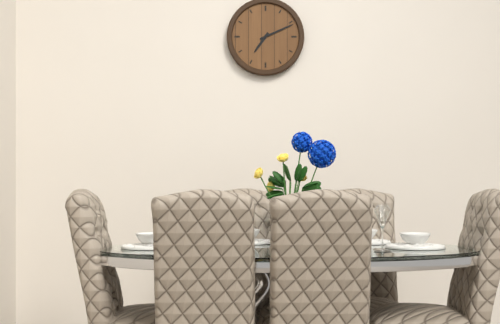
7:11
